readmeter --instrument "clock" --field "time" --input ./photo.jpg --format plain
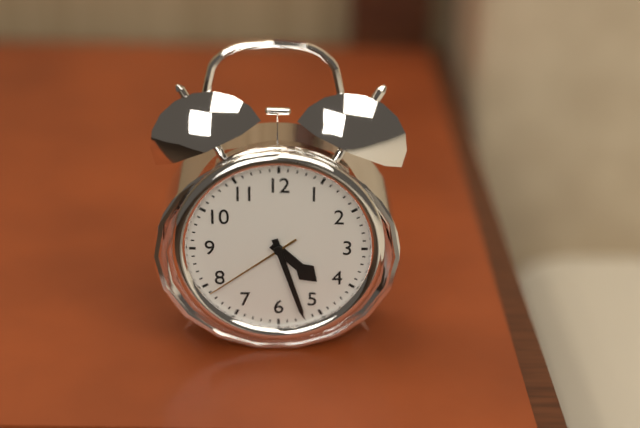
4:27:39
